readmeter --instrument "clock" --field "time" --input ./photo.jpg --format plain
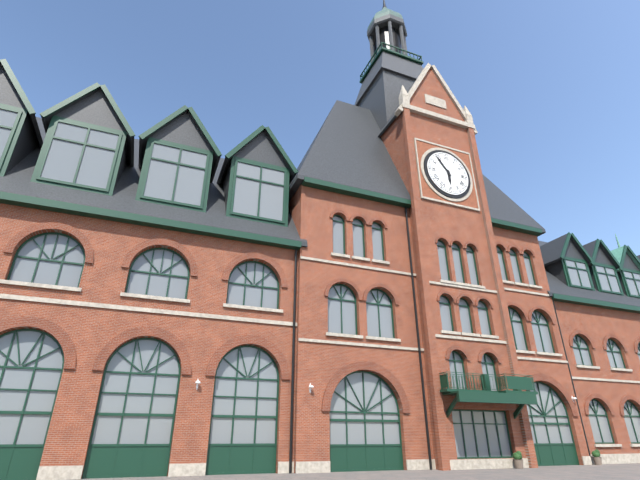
5:54
